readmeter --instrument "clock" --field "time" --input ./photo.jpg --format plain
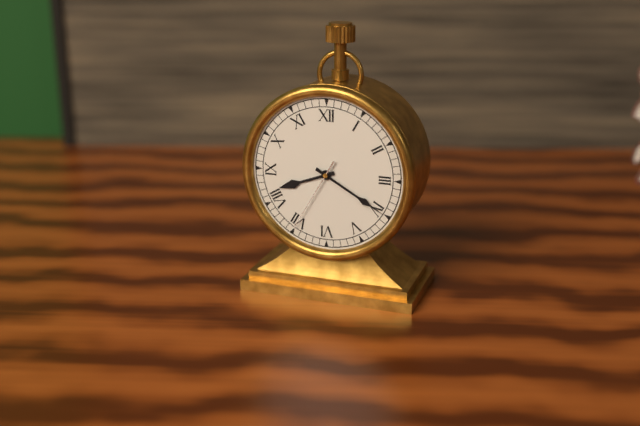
8:20:35
